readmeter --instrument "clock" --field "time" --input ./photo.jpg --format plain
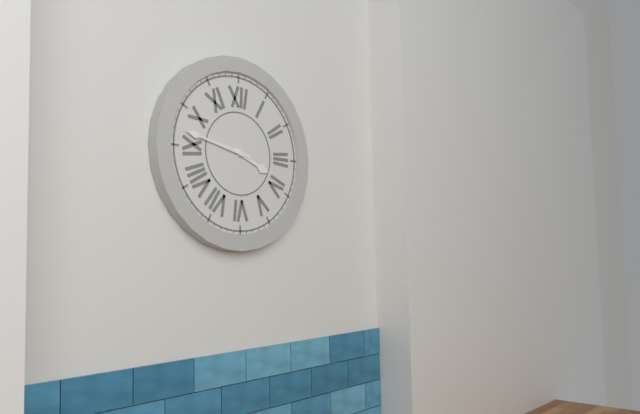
3:47
